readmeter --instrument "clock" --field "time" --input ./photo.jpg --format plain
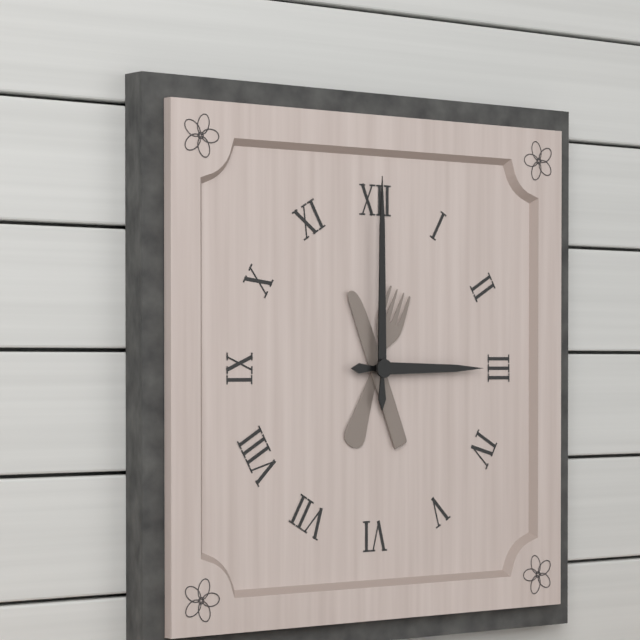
3:00
